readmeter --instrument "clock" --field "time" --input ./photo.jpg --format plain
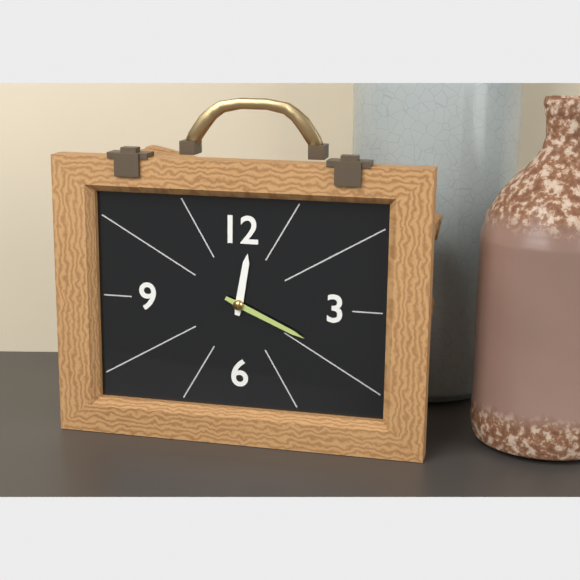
12:19
